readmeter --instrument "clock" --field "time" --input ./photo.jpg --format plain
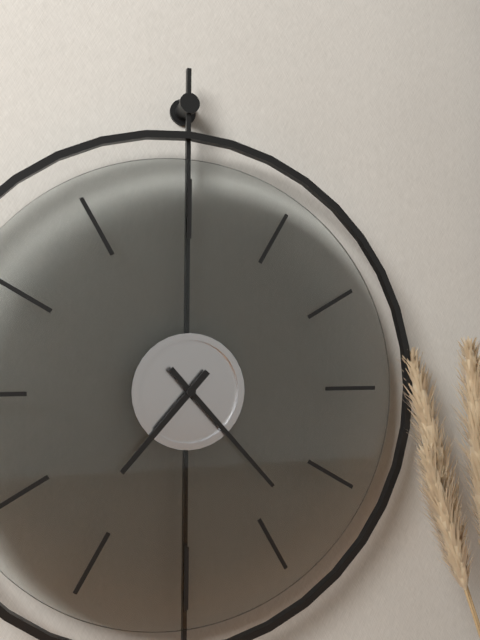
7:23
